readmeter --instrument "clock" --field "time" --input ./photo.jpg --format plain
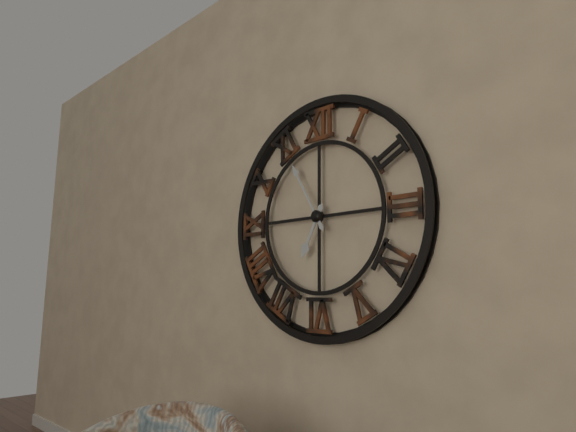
6:55
